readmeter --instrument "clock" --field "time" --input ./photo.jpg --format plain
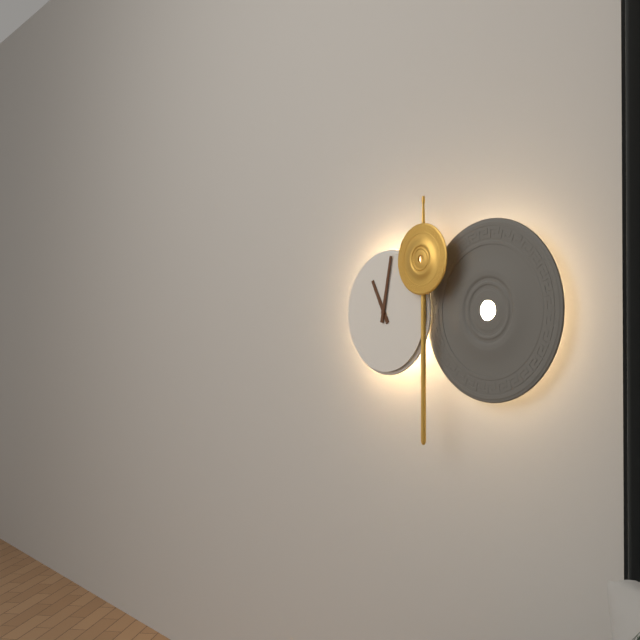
11:02
